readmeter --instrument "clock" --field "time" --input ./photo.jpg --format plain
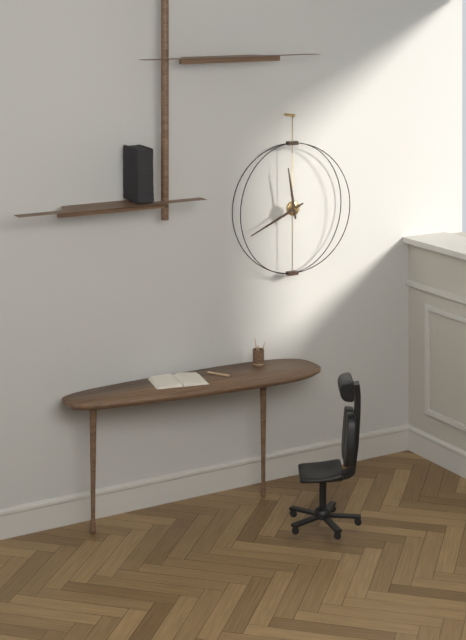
11:41
